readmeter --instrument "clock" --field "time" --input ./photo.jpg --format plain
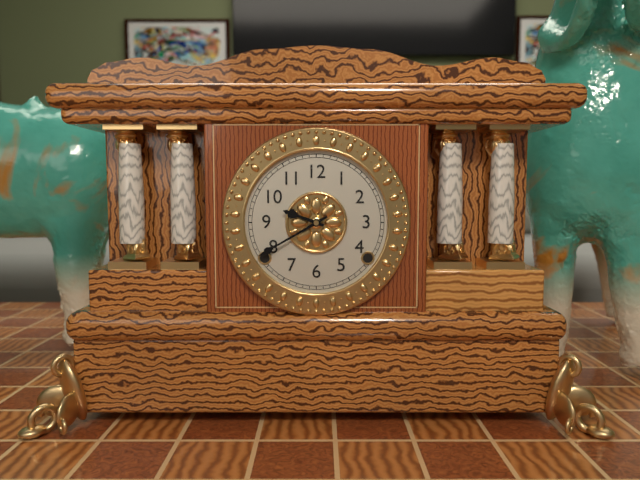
9:40
